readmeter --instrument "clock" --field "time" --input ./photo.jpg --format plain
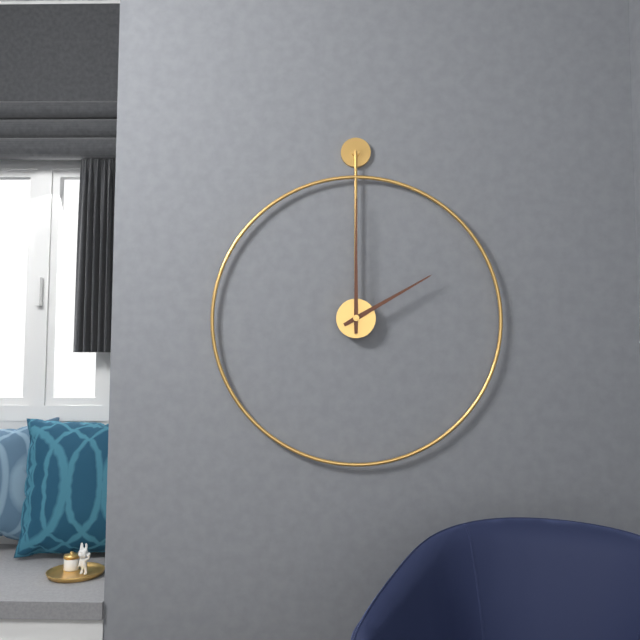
2:00
